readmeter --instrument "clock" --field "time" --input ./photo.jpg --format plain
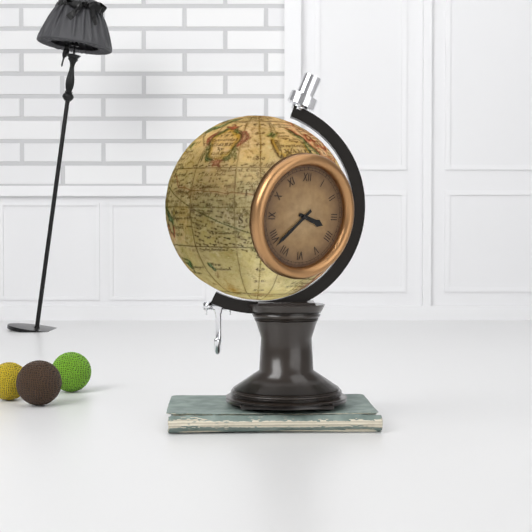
3:38
